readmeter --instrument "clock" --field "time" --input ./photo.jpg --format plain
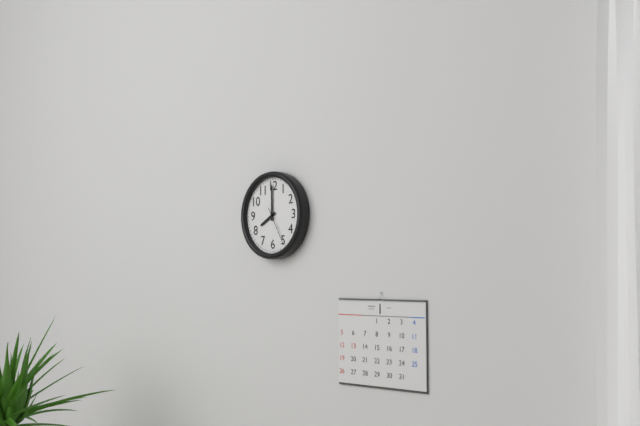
8:00
